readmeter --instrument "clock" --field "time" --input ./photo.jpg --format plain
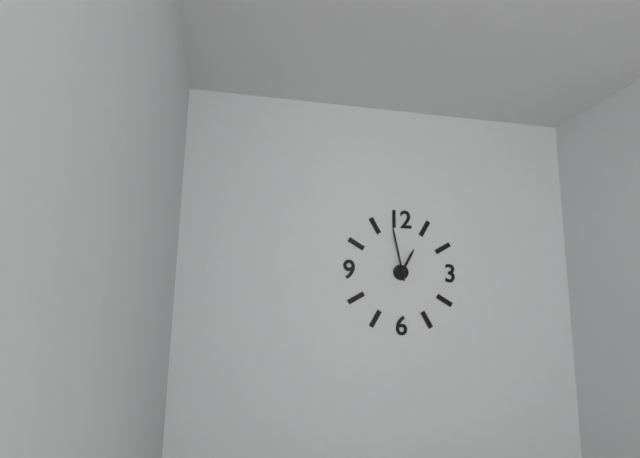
12:58
